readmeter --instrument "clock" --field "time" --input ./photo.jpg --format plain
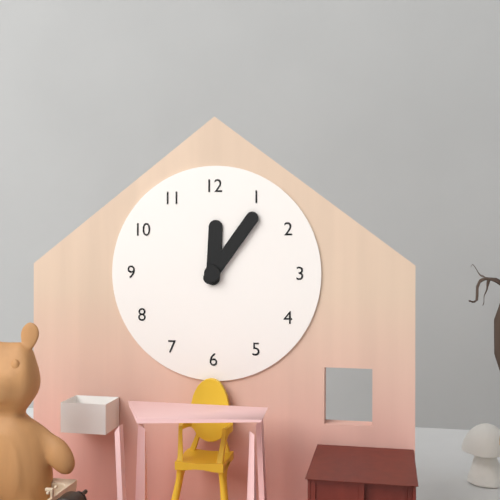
12:06
